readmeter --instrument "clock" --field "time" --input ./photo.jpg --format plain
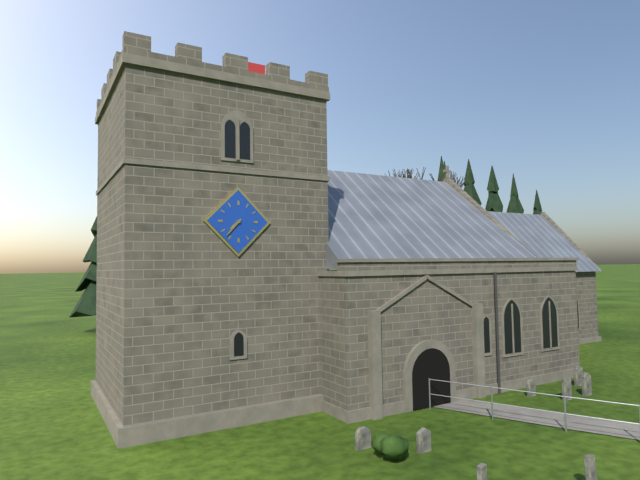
7:37
